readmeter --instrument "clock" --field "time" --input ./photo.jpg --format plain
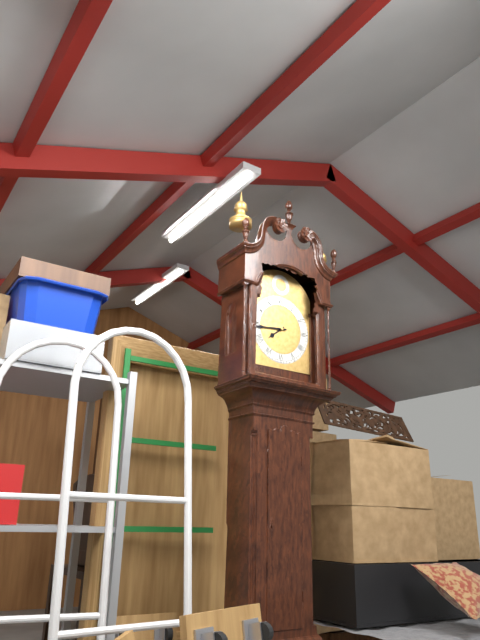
7:44
